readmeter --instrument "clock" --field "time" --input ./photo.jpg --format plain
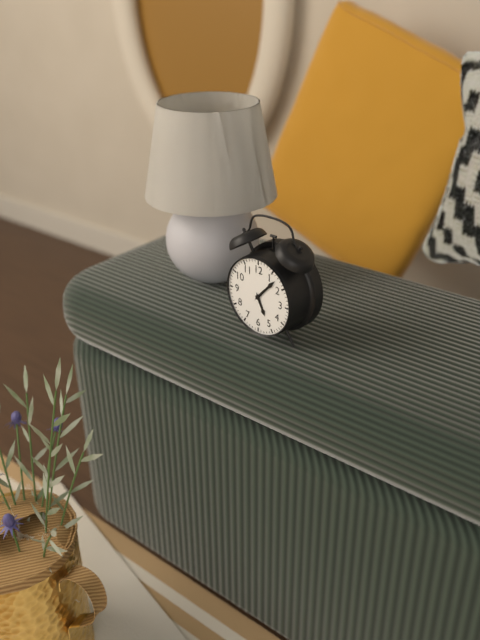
5:07
